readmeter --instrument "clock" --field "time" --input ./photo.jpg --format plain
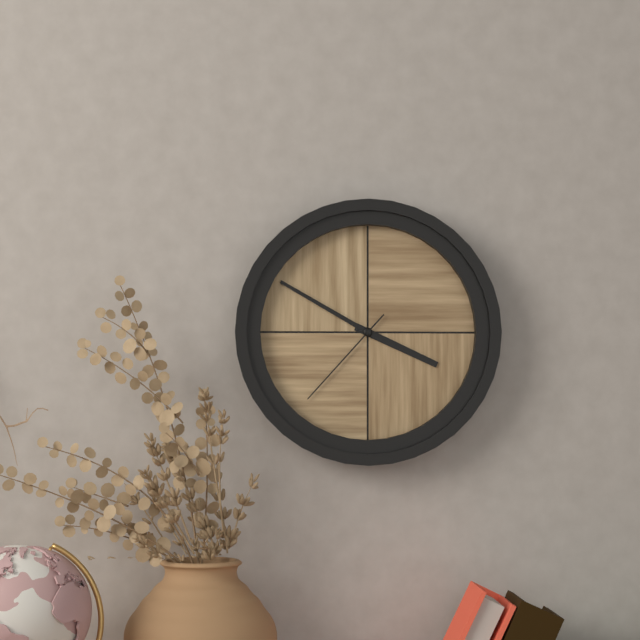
3:50:37
